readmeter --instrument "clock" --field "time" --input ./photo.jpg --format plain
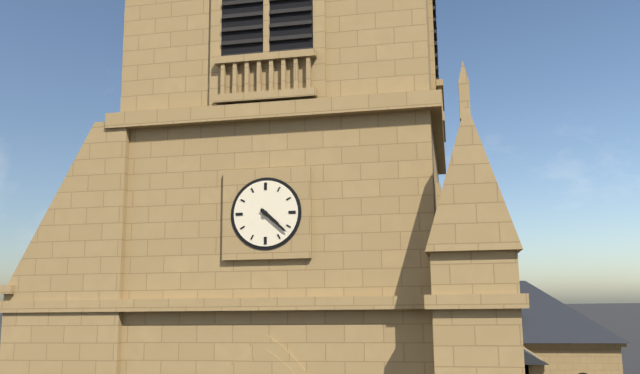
4:22
